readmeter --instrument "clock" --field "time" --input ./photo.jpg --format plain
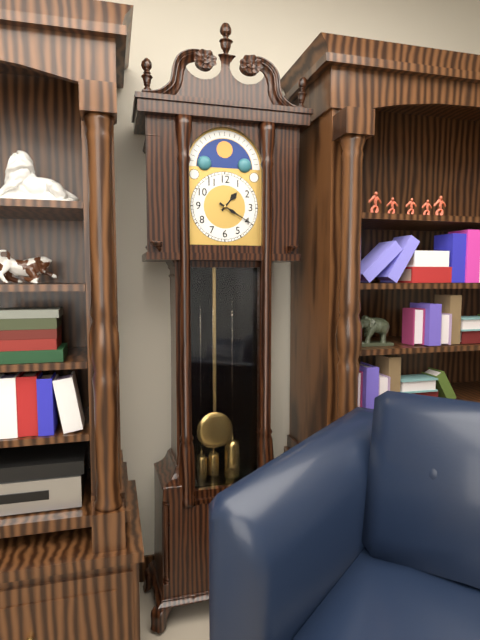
1:20
